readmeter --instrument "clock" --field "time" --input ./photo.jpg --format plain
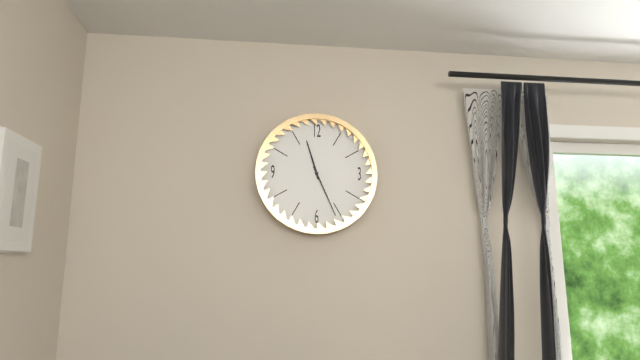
11:26
